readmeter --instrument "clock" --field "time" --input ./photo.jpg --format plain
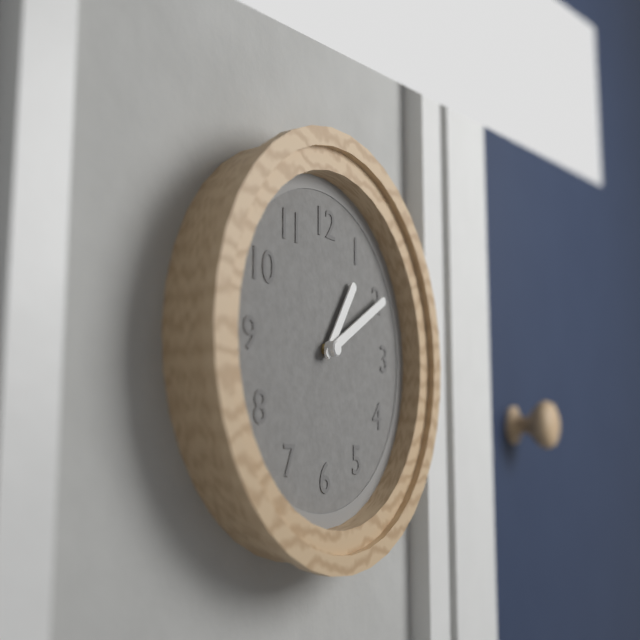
1:10
